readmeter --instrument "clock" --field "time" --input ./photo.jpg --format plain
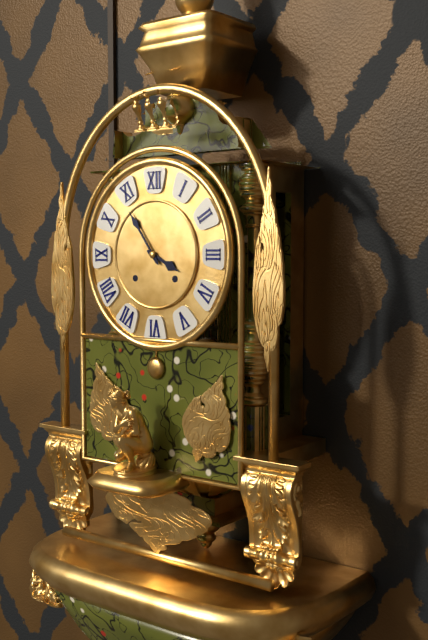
3:54
